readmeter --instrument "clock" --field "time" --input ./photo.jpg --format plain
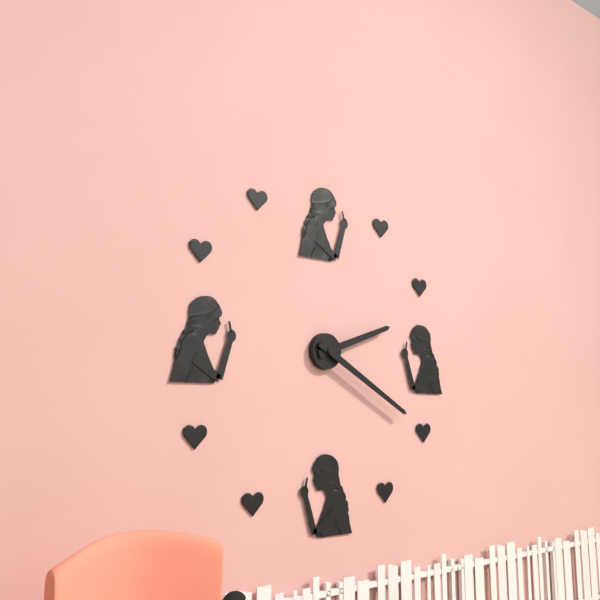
2:20
